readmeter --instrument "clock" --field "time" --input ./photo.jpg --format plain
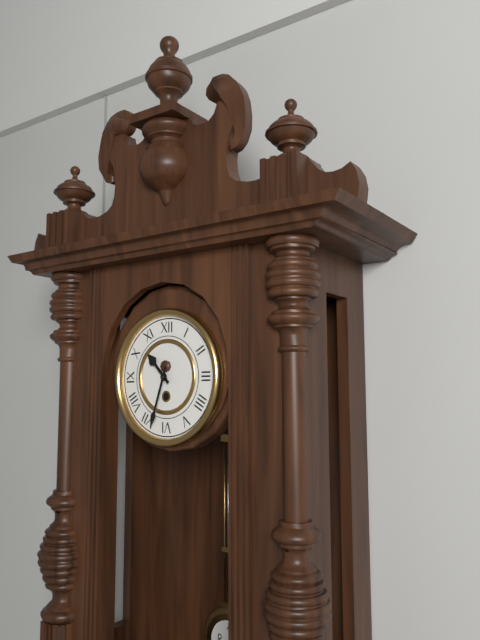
10:33
